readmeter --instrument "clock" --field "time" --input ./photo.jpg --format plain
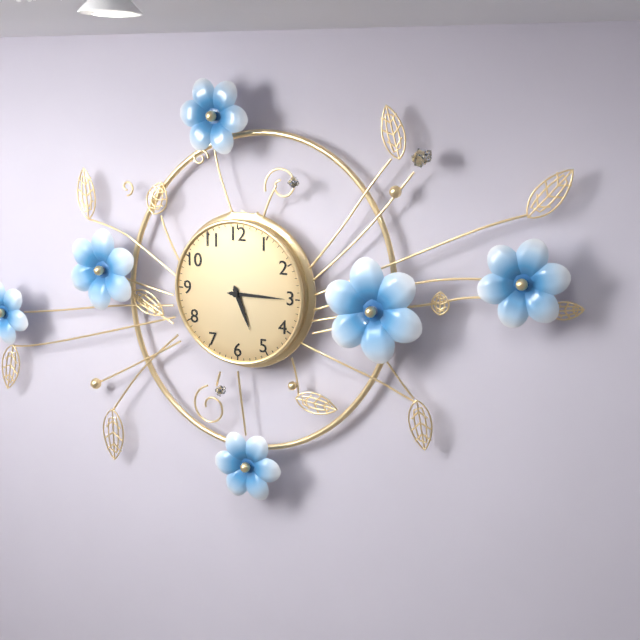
5:15
